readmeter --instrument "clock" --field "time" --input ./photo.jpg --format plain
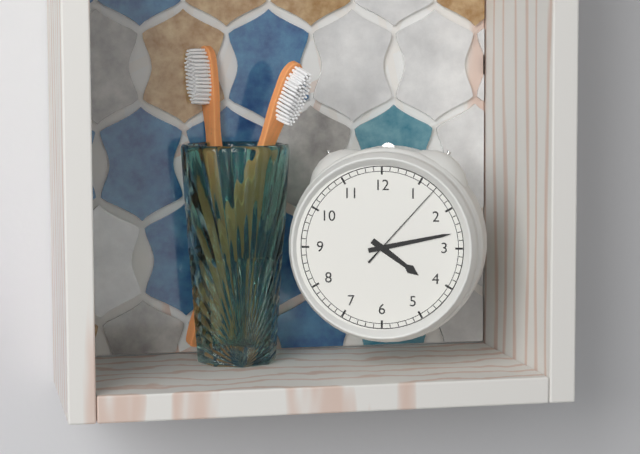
4:13:07
